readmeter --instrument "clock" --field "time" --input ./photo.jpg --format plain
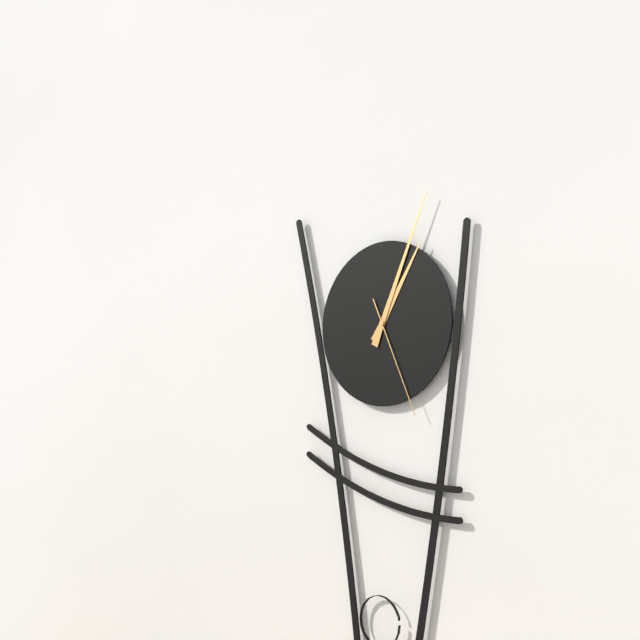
1:04:26
